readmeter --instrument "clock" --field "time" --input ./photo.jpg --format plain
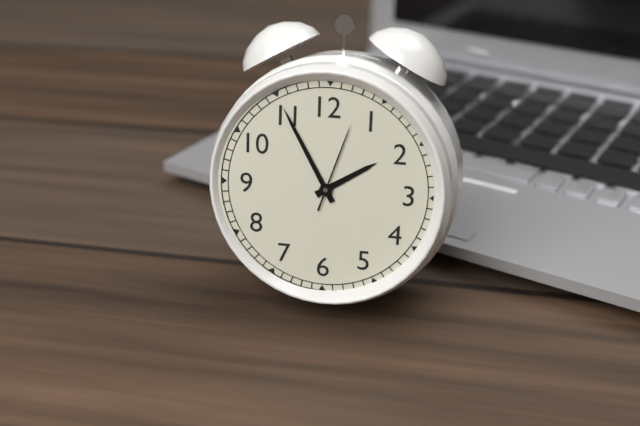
1:55:03
